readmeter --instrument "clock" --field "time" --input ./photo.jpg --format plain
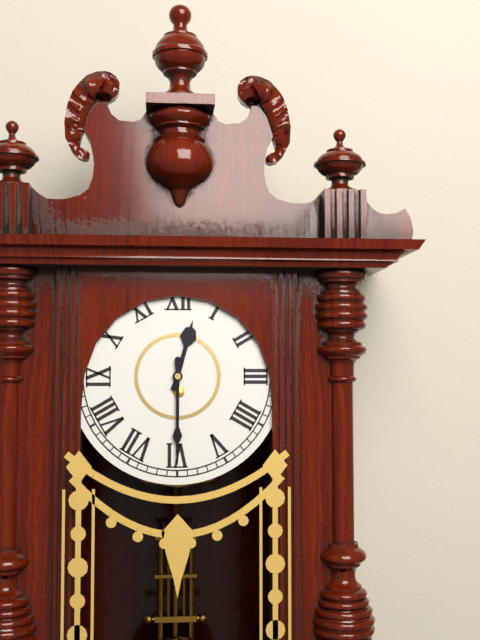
12:30
